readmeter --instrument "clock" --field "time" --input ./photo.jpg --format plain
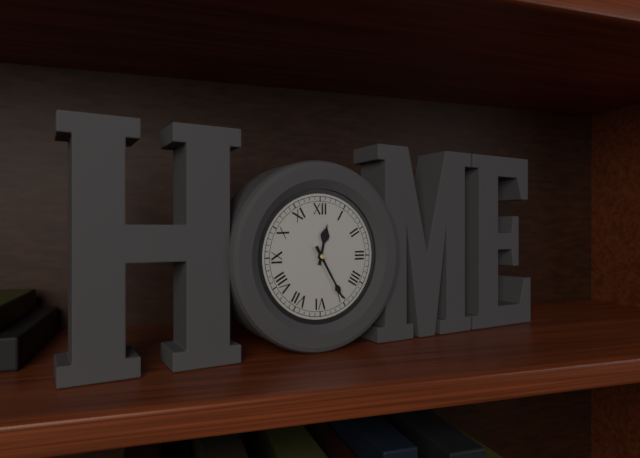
12:25
